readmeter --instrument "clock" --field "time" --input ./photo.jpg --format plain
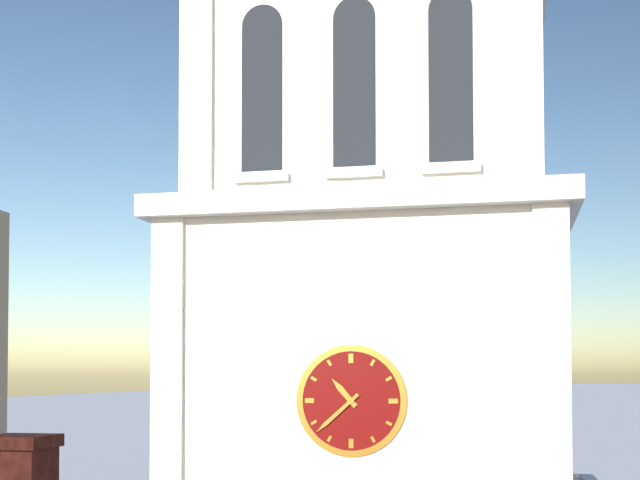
10:38
